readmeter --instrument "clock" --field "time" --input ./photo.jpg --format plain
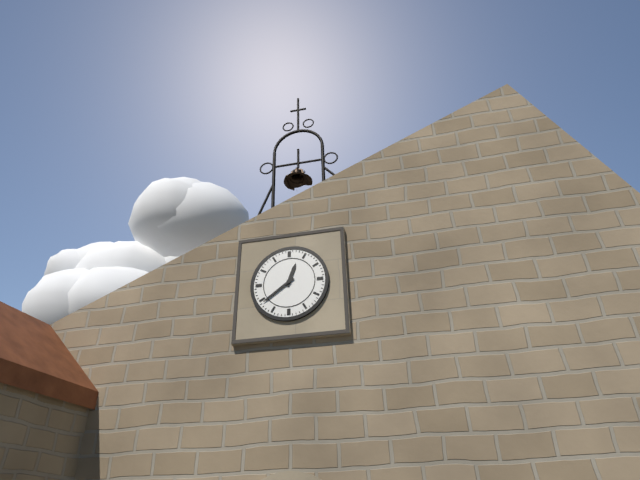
12:39
